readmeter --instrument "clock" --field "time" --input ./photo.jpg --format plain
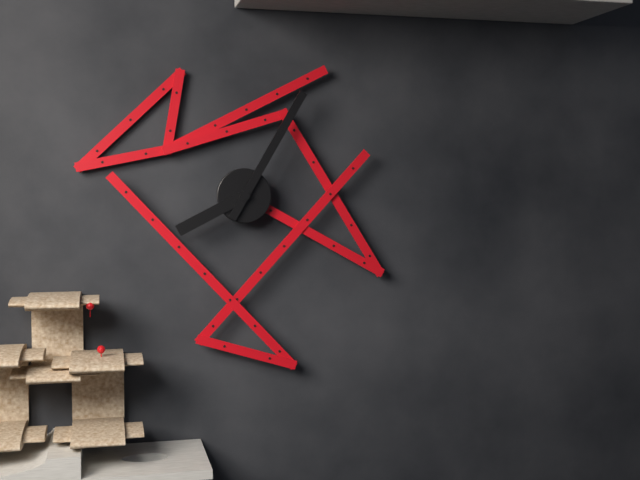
8:05
